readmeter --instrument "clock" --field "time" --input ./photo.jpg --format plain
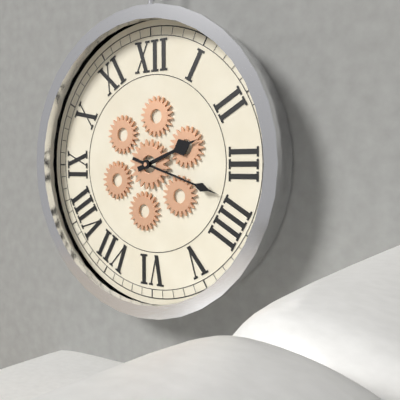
2:18
